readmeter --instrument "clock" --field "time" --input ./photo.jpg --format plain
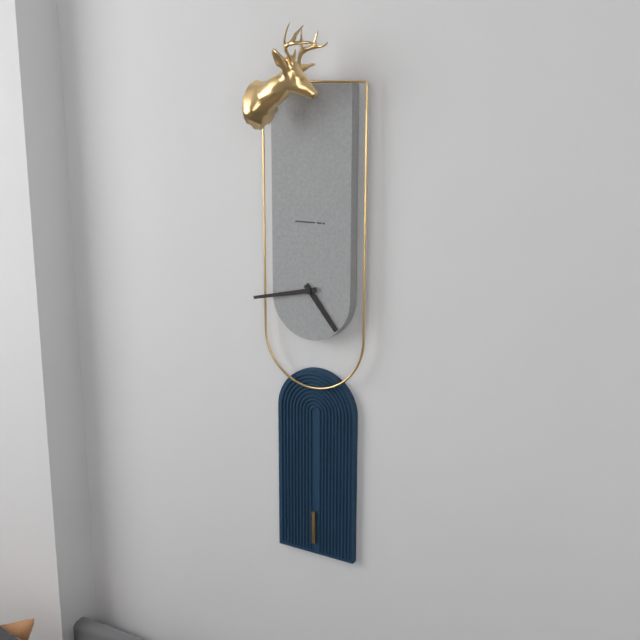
4:43
